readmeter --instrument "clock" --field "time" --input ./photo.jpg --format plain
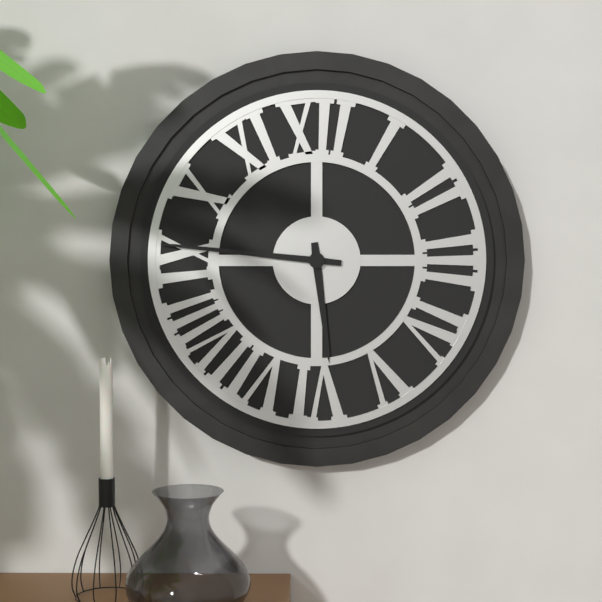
5:46
